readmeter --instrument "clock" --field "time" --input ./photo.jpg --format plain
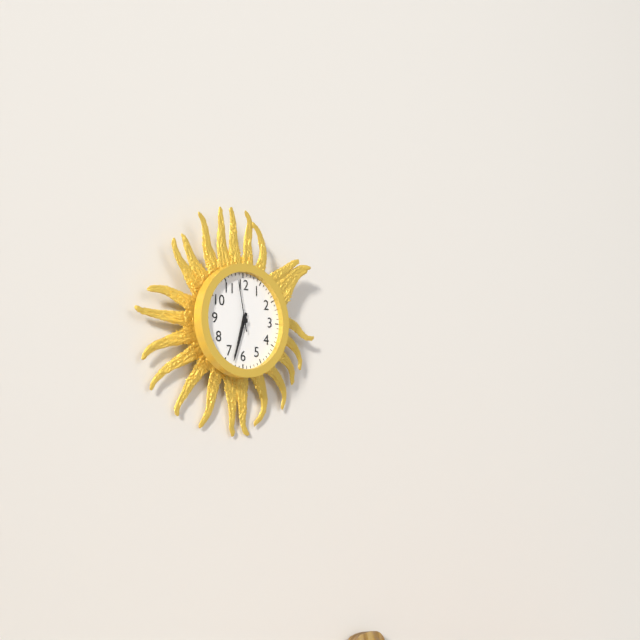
6:33:58
